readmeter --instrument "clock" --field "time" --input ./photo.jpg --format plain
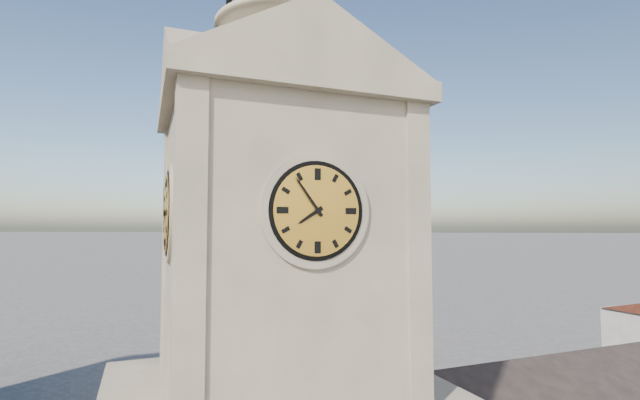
7:54
